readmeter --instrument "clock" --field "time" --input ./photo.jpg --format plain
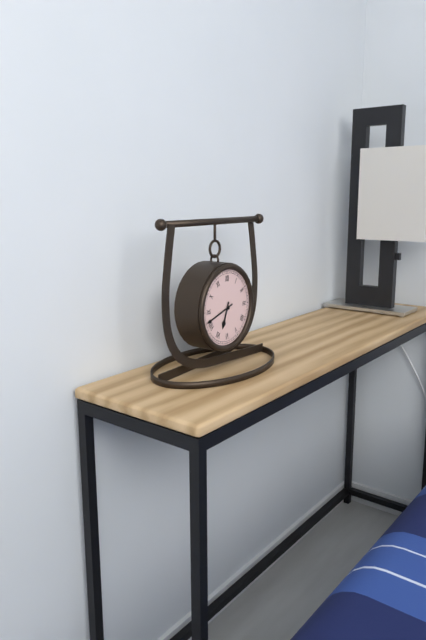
6:42
